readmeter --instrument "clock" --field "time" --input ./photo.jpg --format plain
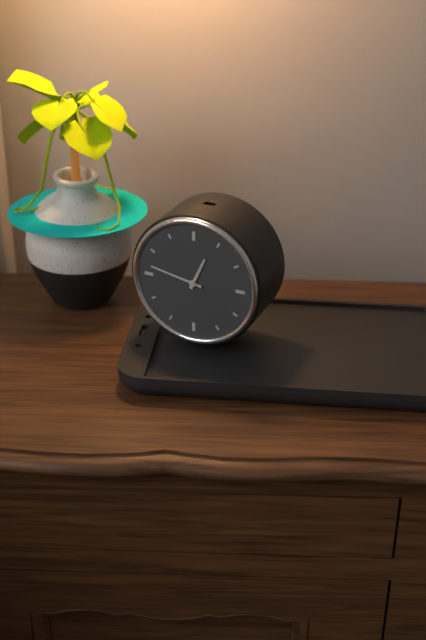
12:47
